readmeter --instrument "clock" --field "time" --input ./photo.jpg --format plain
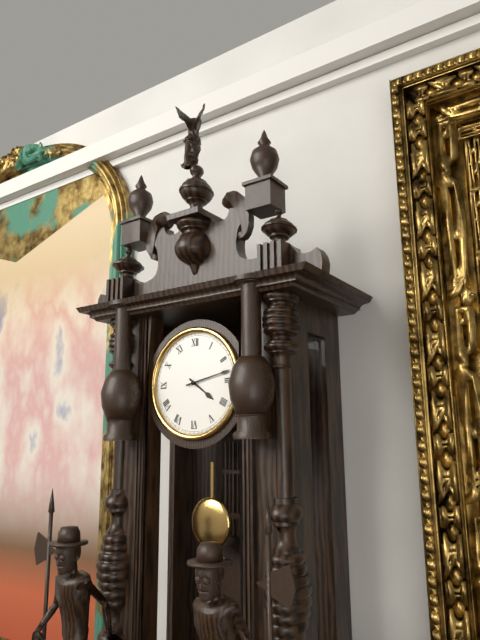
4:13
